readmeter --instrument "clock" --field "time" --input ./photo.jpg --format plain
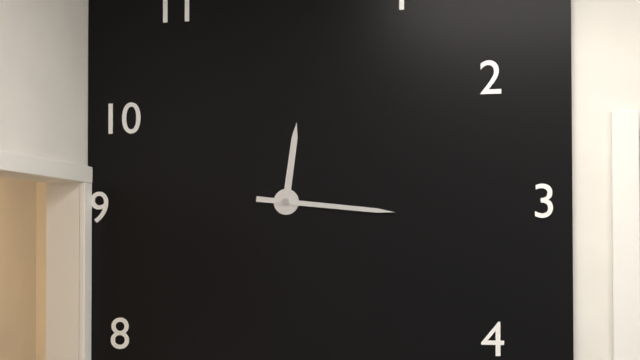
12:16
